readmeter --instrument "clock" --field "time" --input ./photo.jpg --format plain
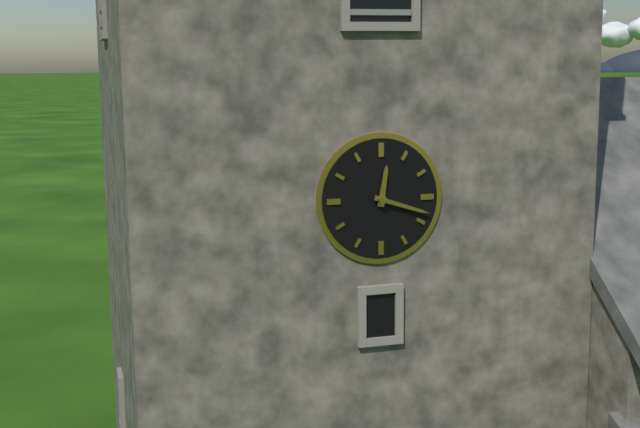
12:18
